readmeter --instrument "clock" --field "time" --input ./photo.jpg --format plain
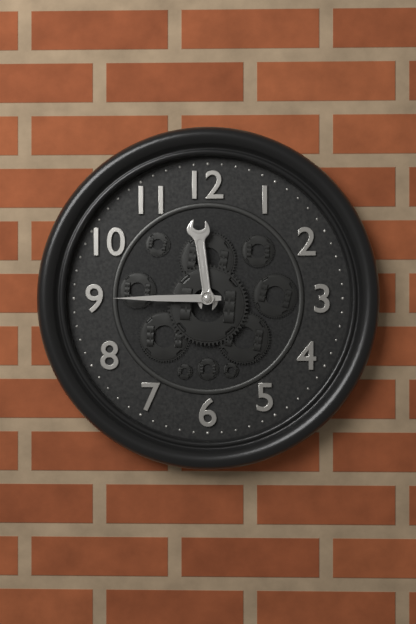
11:45
